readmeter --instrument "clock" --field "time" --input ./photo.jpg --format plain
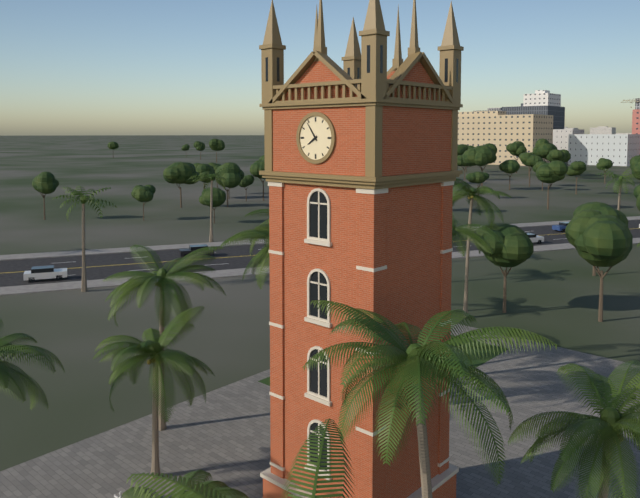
7:54
